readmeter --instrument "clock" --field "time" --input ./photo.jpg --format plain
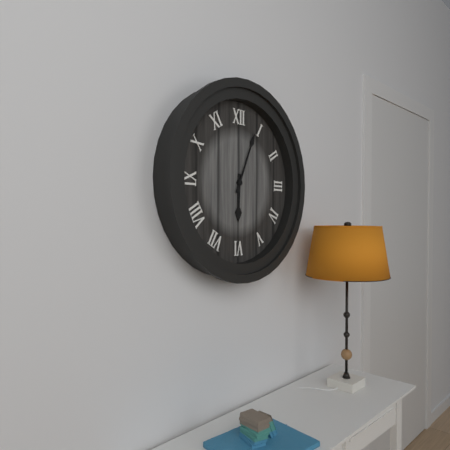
6:04
